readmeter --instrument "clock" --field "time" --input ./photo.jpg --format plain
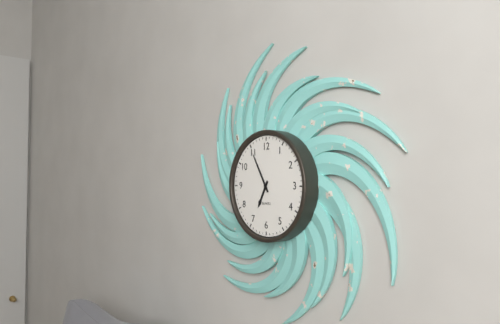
6:55
